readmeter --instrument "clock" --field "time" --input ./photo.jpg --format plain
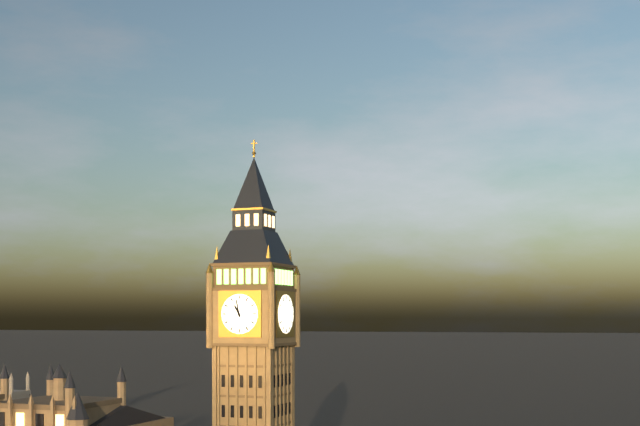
10:58
